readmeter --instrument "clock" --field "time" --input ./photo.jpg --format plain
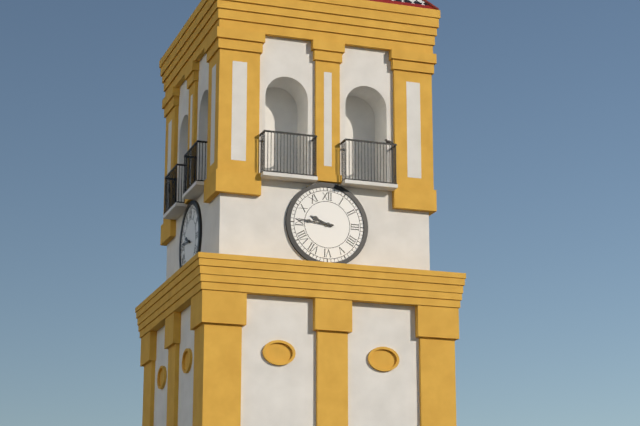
9:46
